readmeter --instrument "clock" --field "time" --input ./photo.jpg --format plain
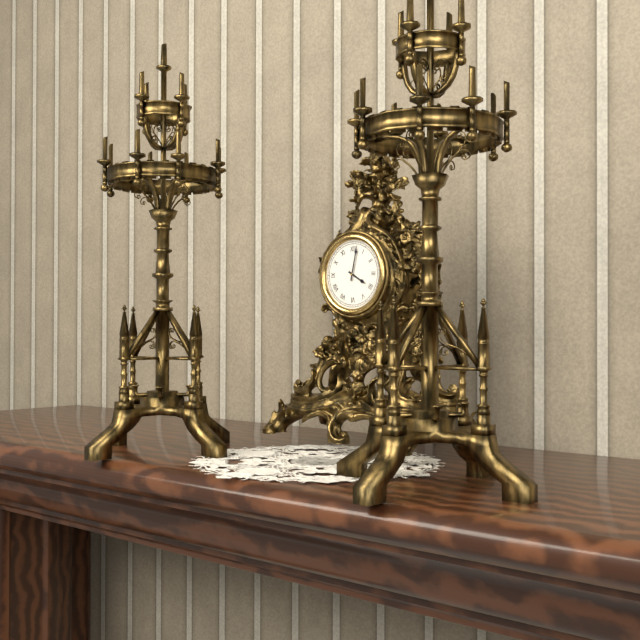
4:02
